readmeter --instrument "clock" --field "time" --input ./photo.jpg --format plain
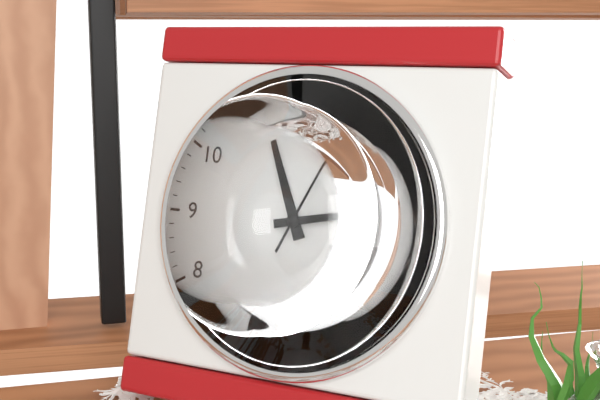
11:13:04
